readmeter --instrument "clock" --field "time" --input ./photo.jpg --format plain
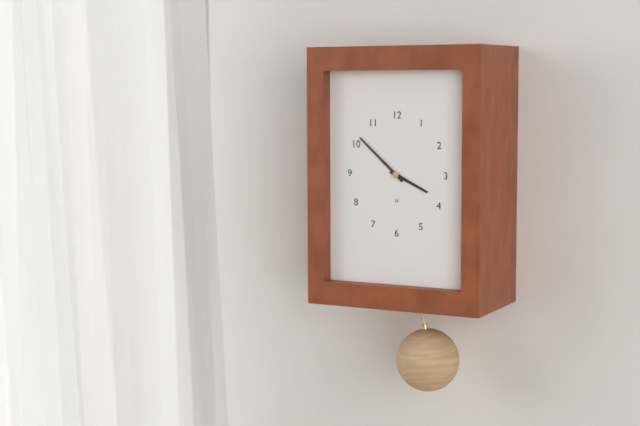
3:52
